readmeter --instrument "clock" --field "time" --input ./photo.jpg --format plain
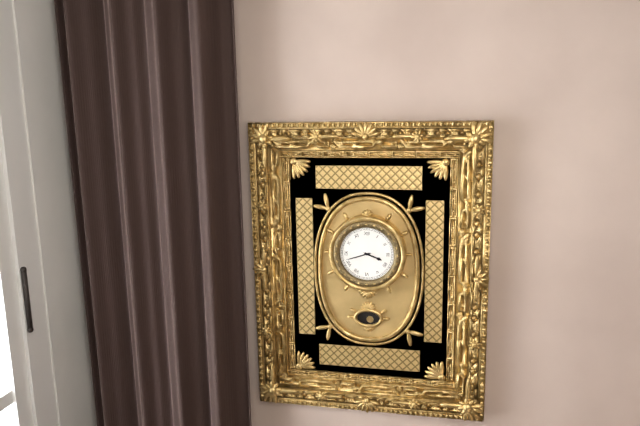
3:42
